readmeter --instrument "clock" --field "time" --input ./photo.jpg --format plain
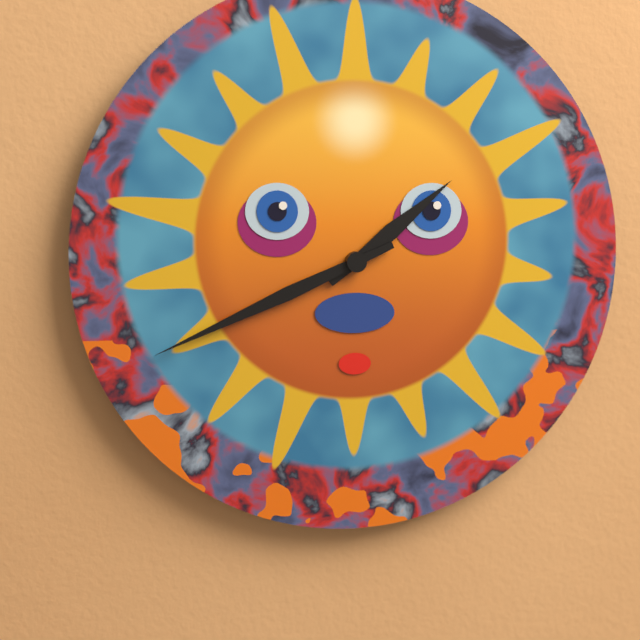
1:41
